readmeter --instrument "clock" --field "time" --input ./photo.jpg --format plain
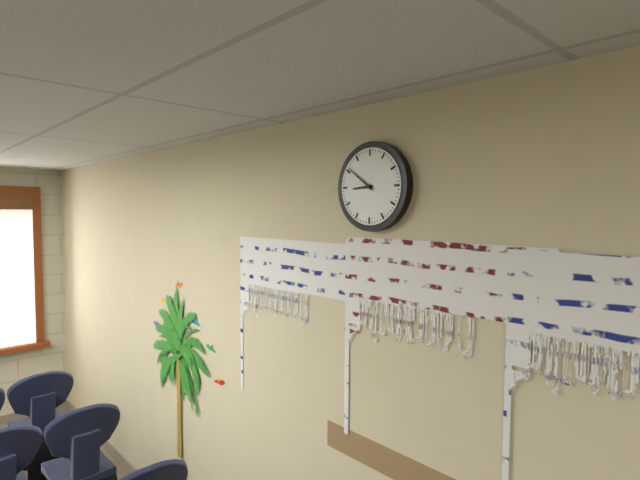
8:51
